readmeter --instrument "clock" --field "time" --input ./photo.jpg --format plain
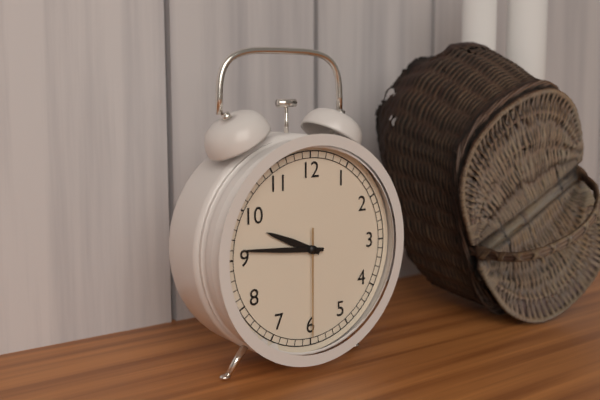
9:46:30
